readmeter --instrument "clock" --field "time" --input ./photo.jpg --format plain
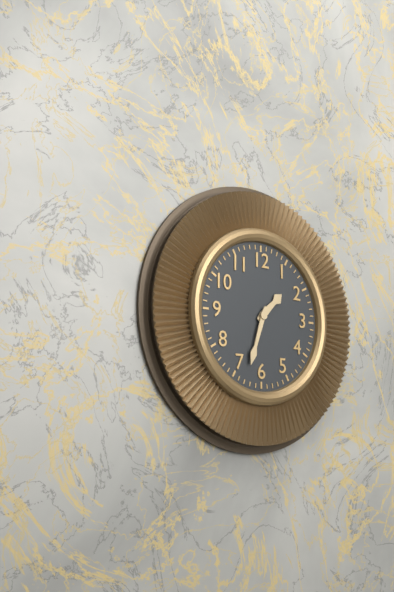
1:33
